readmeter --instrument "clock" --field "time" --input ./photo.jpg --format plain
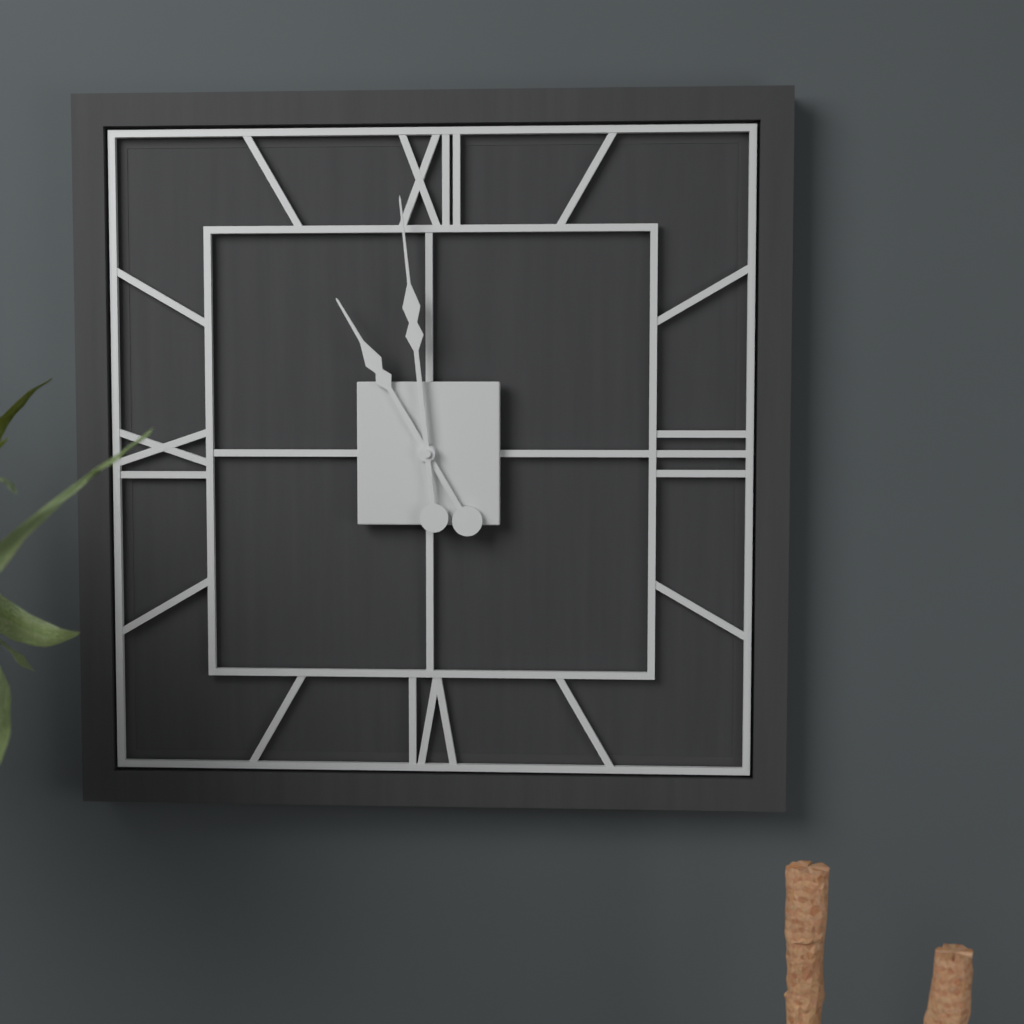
10:59
